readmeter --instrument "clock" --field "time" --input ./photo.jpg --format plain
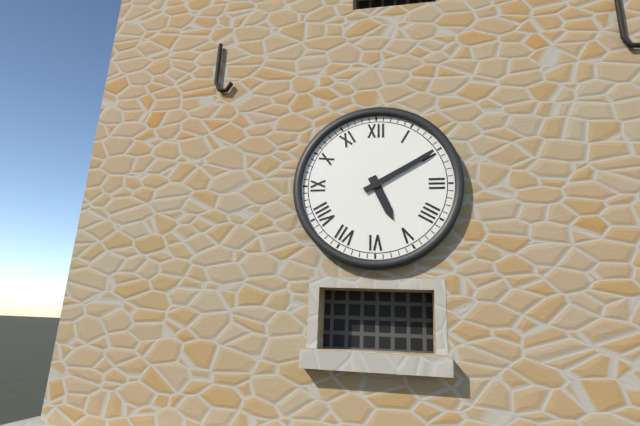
5:10
